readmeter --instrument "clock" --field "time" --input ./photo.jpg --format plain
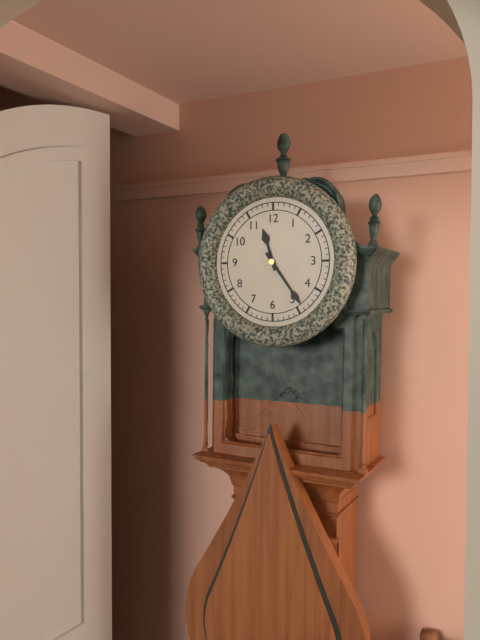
11:24
